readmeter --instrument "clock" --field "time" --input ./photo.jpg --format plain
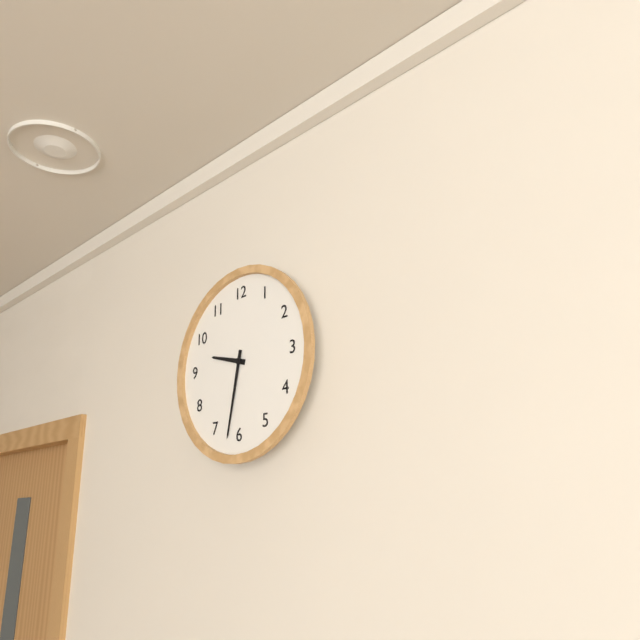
9:32
